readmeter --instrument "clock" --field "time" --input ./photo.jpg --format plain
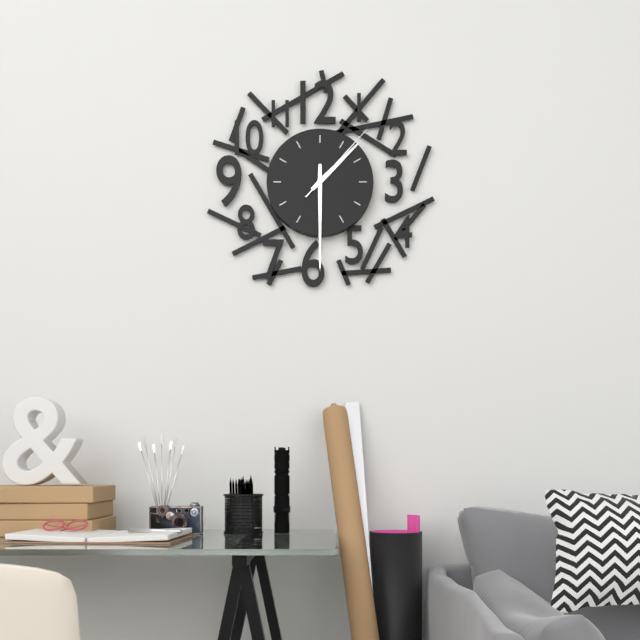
1:30:07
